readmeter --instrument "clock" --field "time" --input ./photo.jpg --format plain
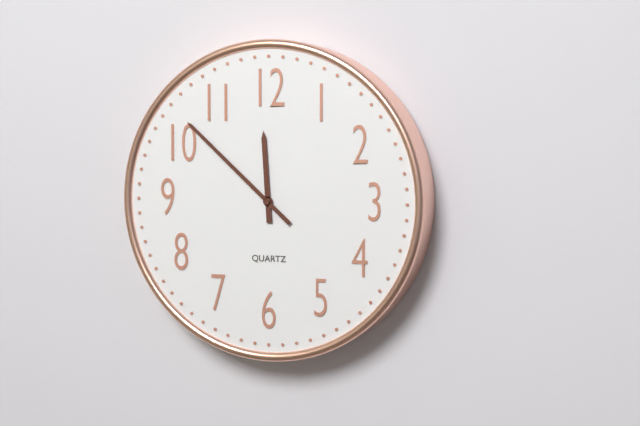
11:52
